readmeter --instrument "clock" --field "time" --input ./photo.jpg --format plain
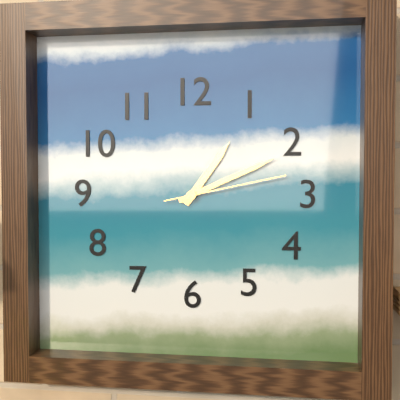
1:11:13
